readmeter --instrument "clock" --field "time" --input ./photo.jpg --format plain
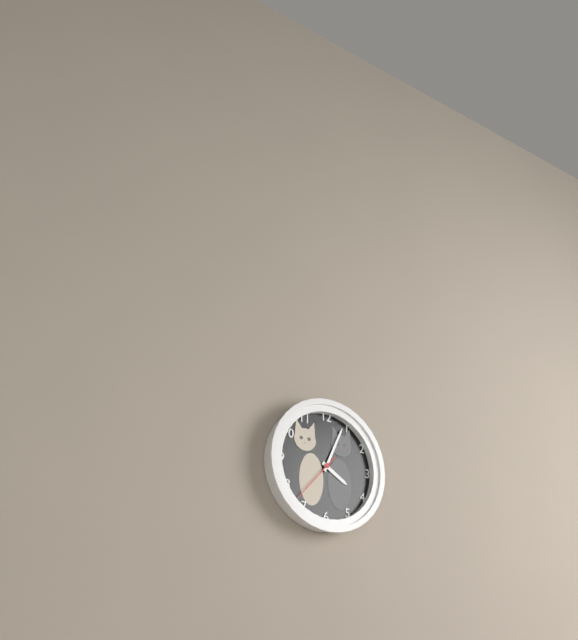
4:04:37
